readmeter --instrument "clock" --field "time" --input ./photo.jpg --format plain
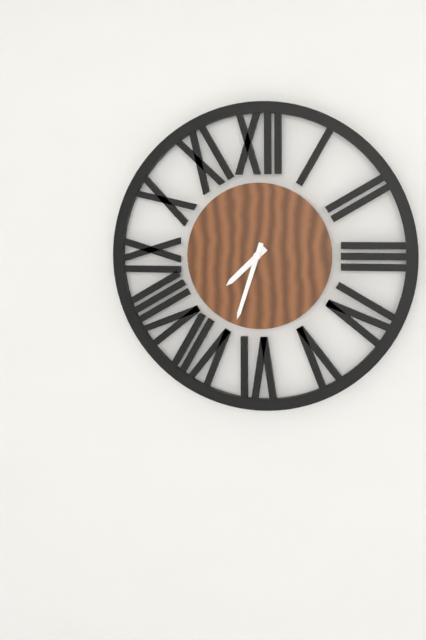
7:33
